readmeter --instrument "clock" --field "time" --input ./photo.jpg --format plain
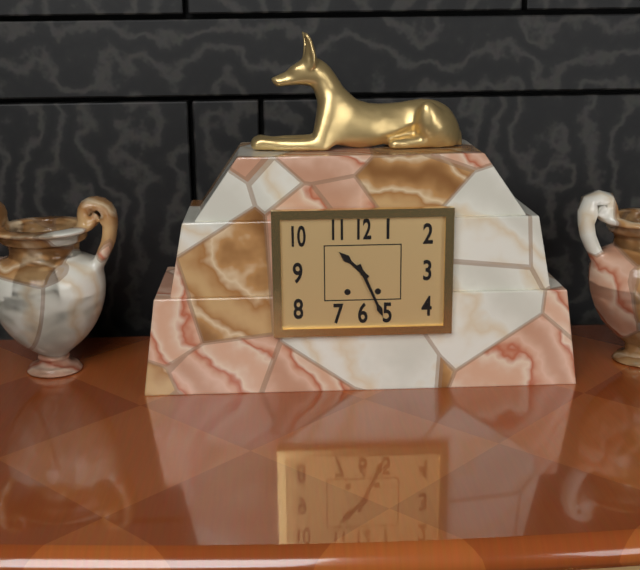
10:26
